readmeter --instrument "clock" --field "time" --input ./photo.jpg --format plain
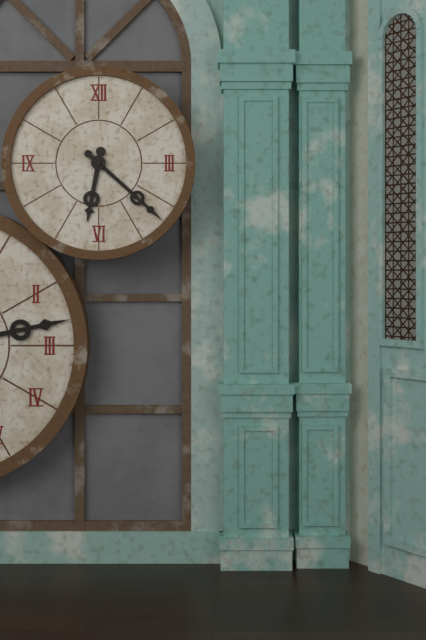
6:22
